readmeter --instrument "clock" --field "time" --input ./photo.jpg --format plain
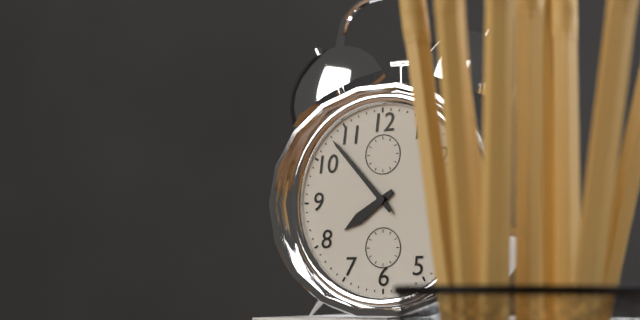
7:53
